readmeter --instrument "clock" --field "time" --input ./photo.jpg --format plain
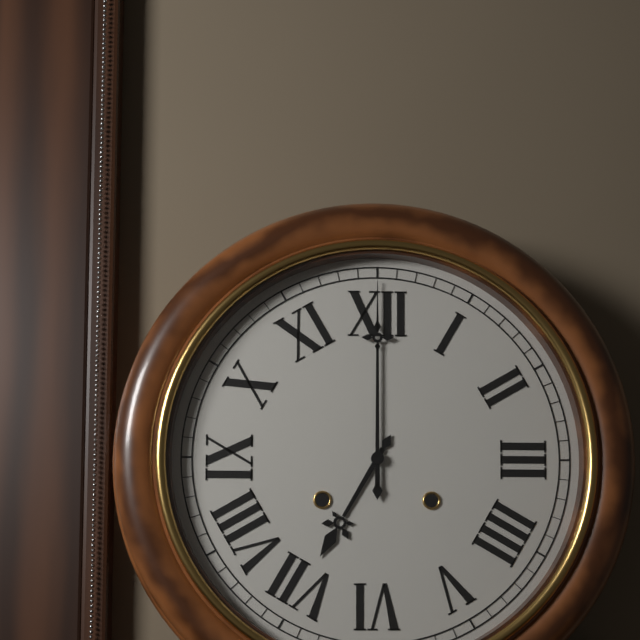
7:00
